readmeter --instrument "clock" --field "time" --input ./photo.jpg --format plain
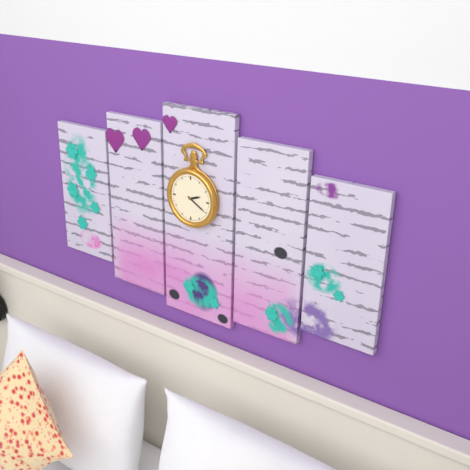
2:20
